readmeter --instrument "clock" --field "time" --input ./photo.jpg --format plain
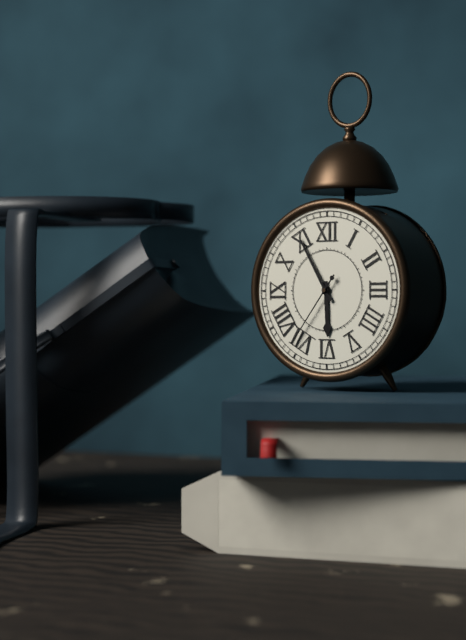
5:55:36
